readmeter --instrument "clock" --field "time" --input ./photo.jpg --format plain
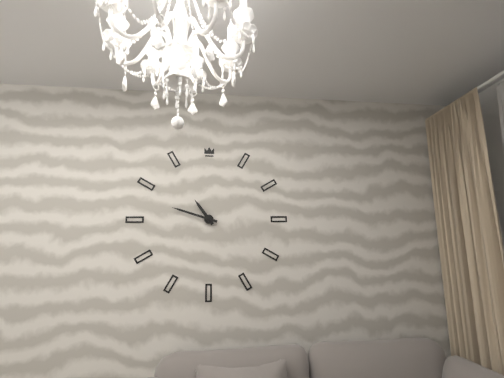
10:48
